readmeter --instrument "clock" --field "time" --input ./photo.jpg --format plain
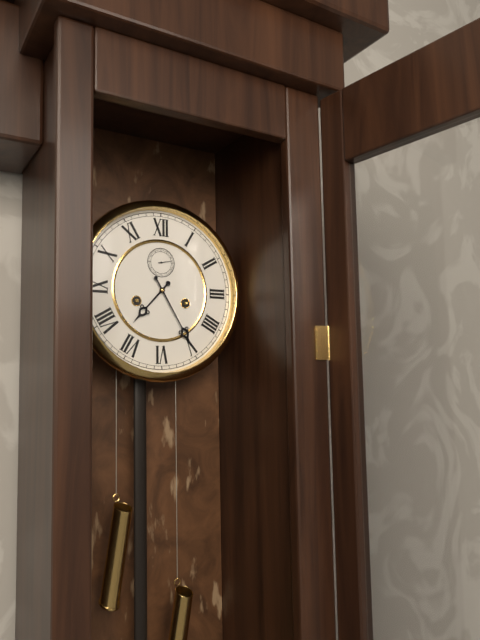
7:25
